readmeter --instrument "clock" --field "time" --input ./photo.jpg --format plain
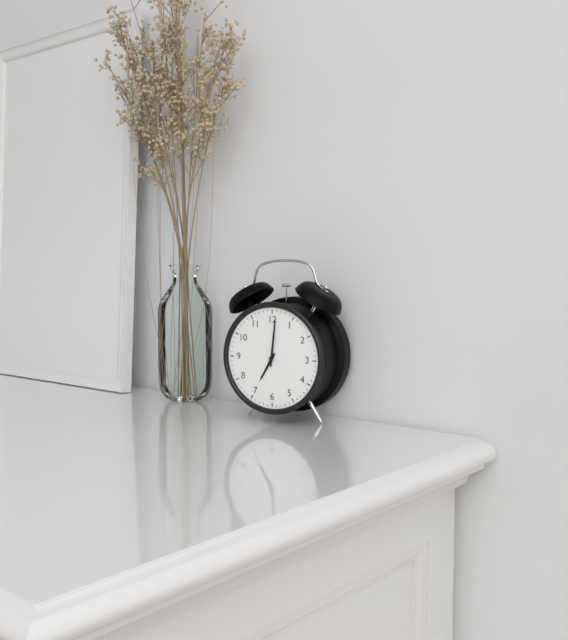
7:01
